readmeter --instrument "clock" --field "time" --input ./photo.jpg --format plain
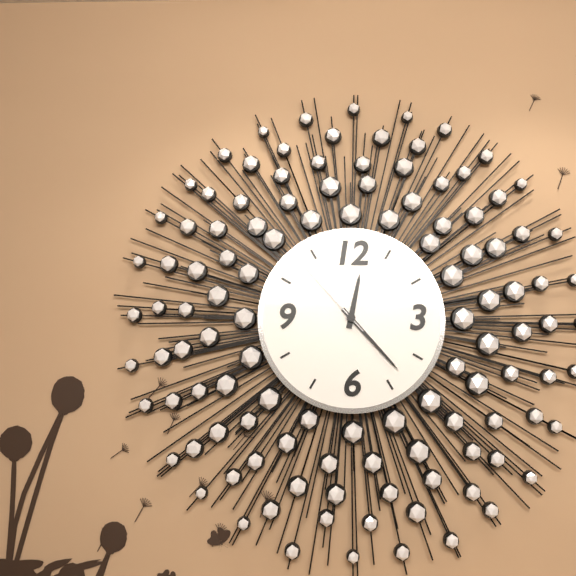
12:23:53
